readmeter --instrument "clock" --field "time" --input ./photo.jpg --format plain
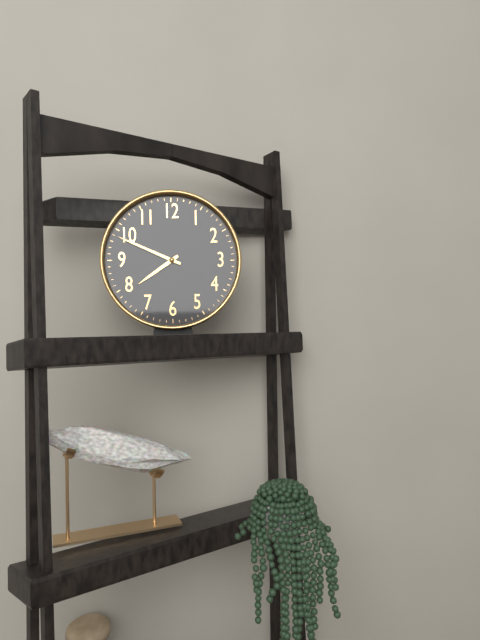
7:49
